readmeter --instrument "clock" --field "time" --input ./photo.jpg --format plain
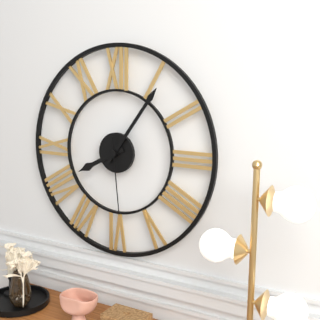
8:06:29
